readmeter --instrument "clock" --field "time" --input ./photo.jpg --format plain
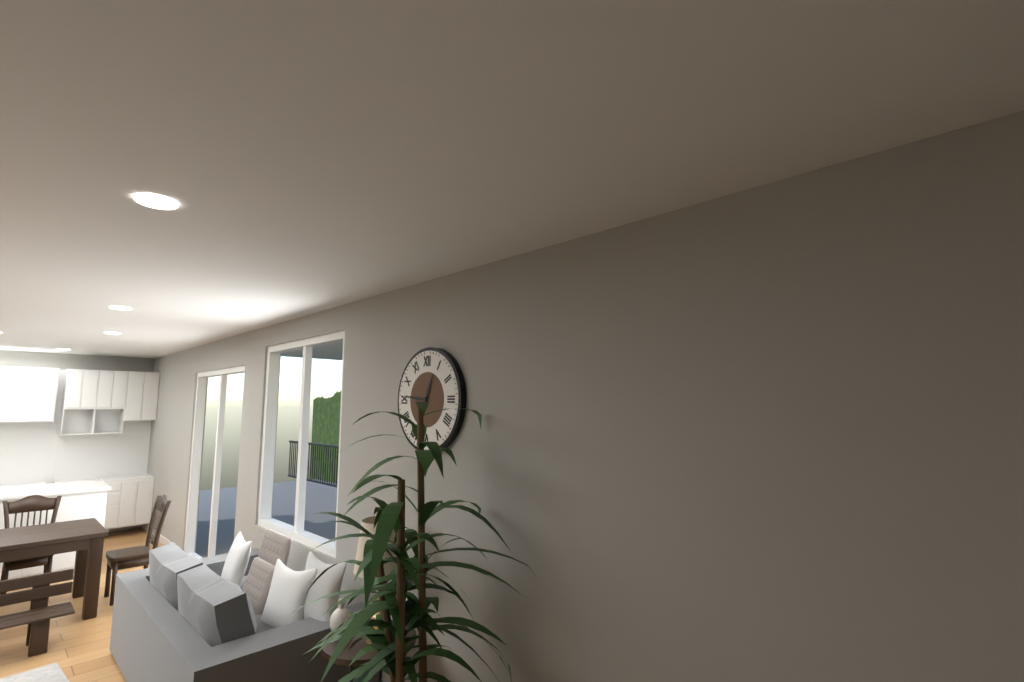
12:46
